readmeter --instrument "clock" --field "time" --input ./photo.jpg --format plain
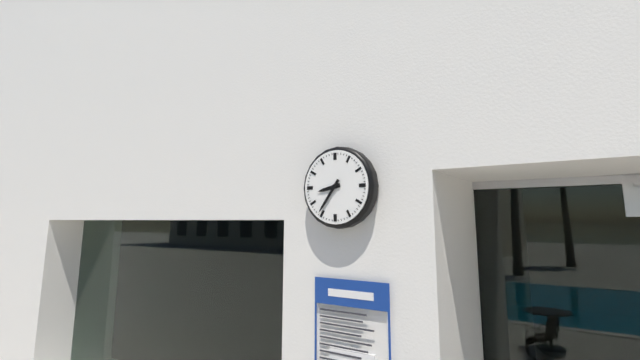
8:36
